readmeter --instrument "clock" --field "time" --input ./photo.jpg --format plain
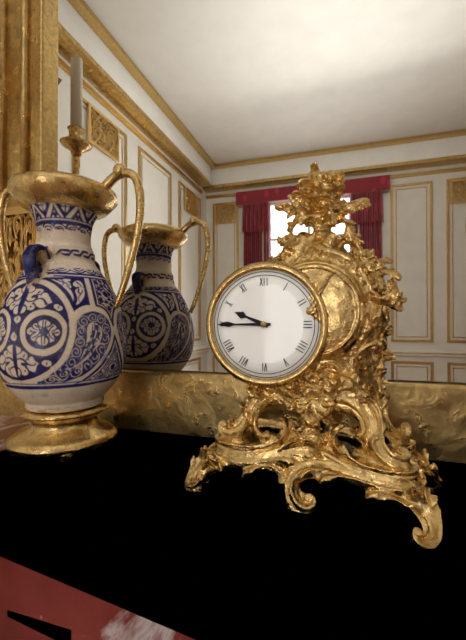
9:45
